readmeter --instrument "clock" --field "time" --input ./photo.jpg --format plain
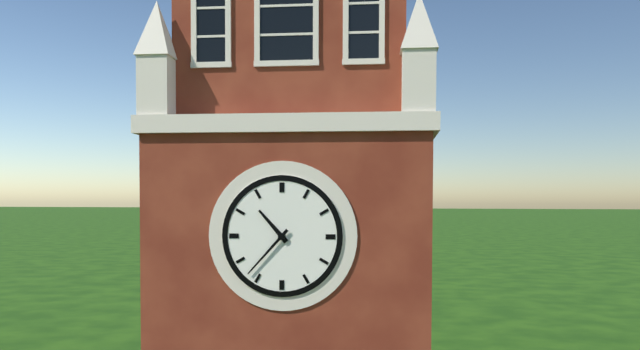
10:37
